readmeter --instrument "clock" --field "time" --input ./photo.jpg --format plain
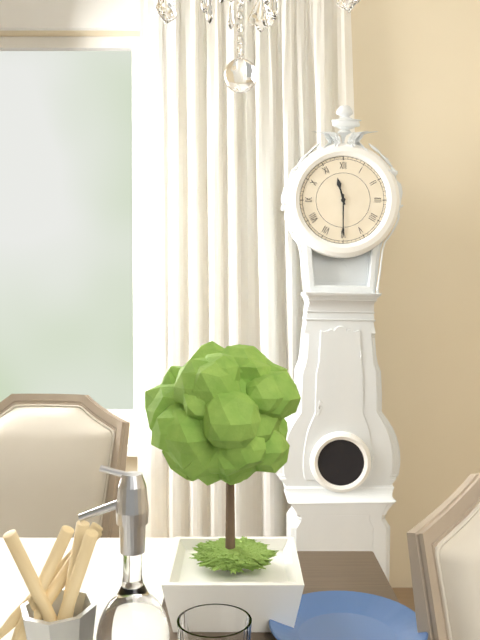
11:30
